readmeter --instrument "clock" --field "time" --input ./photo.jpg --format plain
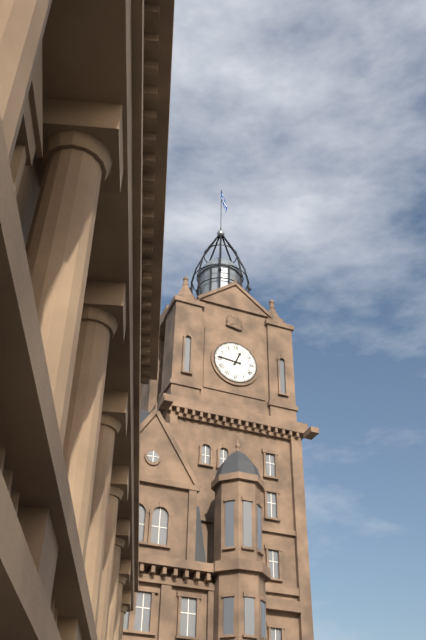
12:46
